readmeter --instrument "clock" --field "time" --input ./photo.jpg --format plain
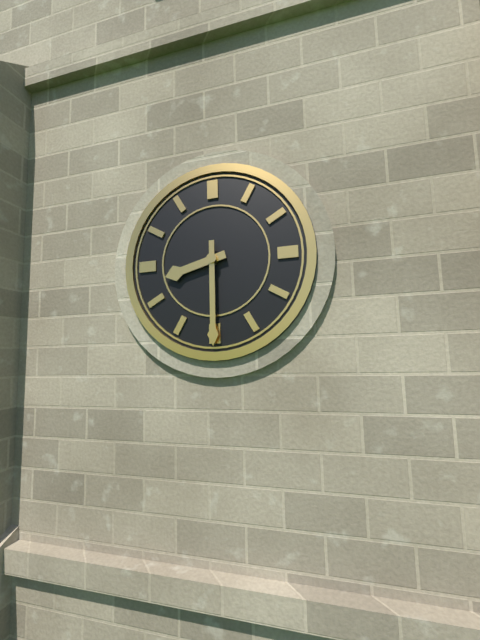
8:30
